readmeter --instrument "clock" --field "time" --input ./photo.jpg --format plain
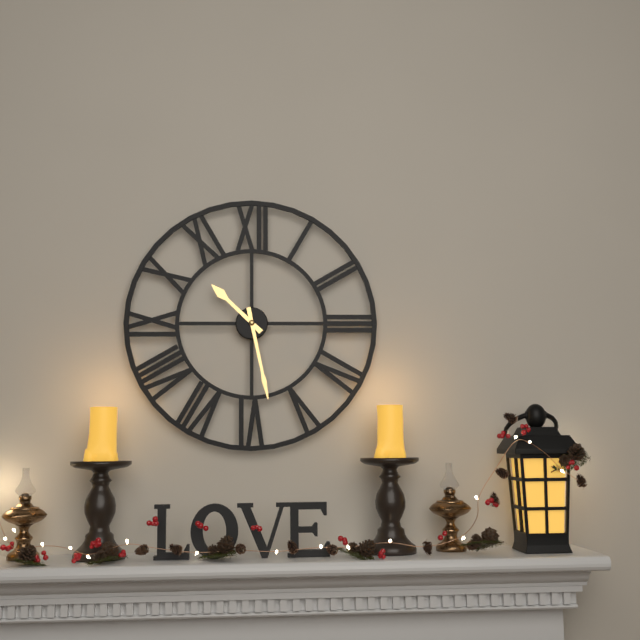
10:28
